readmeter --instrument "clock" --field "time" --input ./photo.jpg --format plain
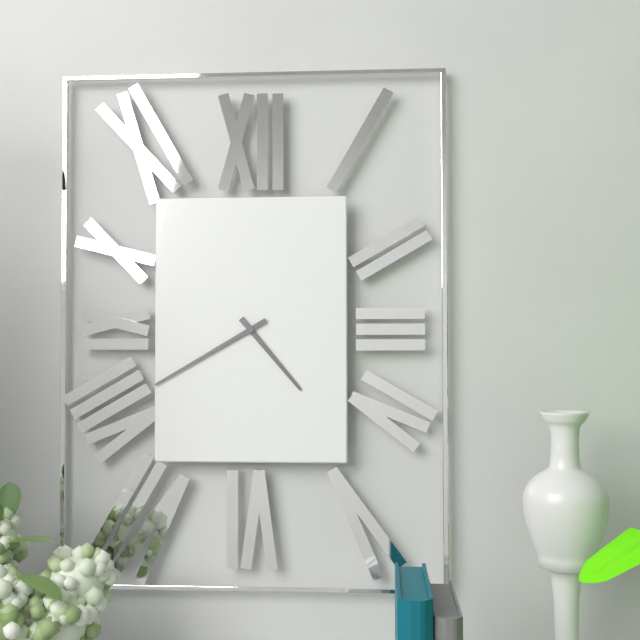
4:40
